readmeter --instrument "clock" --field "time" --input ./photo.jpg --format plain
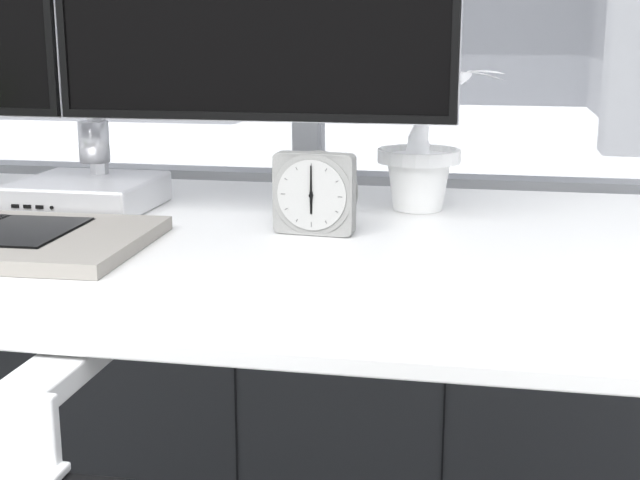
6:00
